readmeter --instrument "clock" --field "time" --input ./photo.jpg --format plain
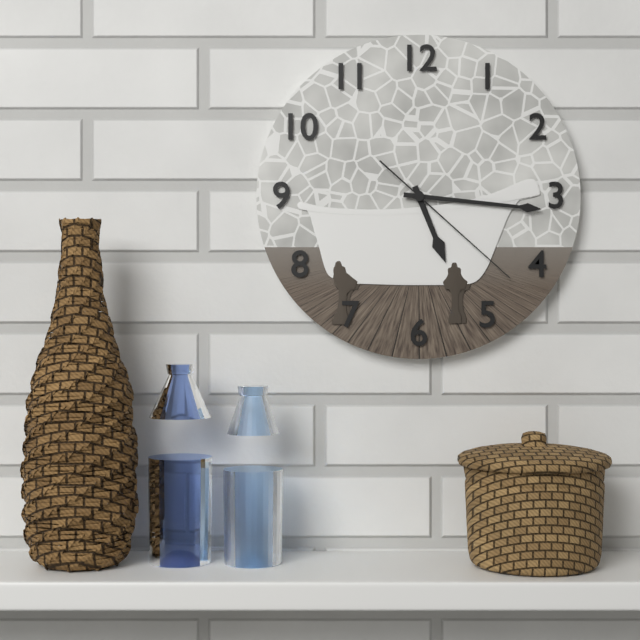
5:16:22
